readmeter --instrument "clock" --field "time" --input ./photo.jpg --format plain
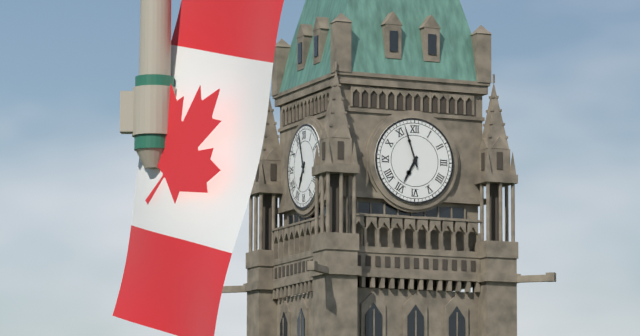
6:57
